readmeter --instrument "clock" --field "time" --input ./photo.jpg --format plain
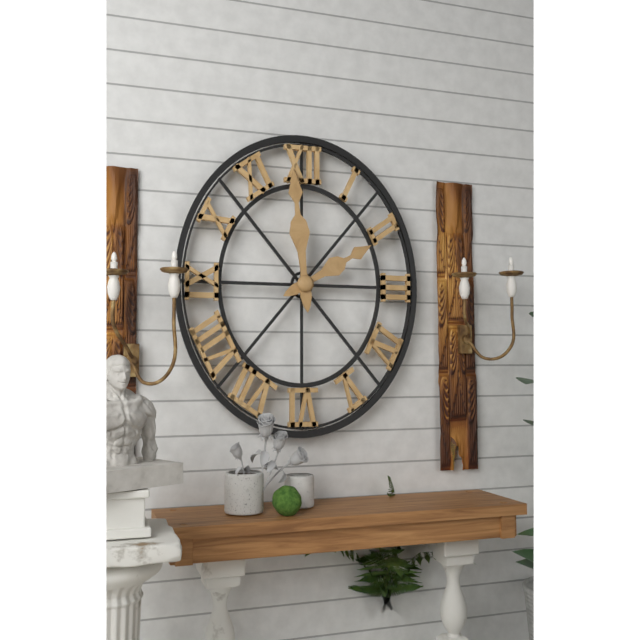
1:59
